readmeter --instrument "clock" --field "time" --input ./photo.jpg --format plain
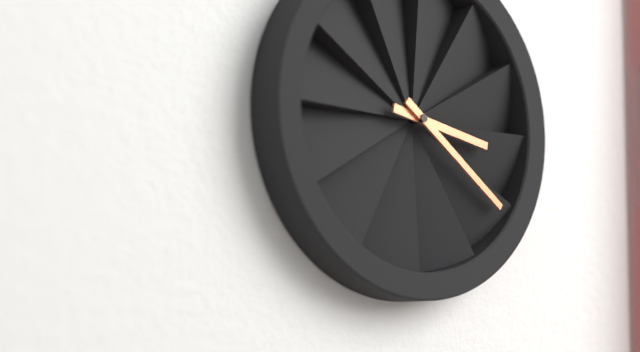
3:21
